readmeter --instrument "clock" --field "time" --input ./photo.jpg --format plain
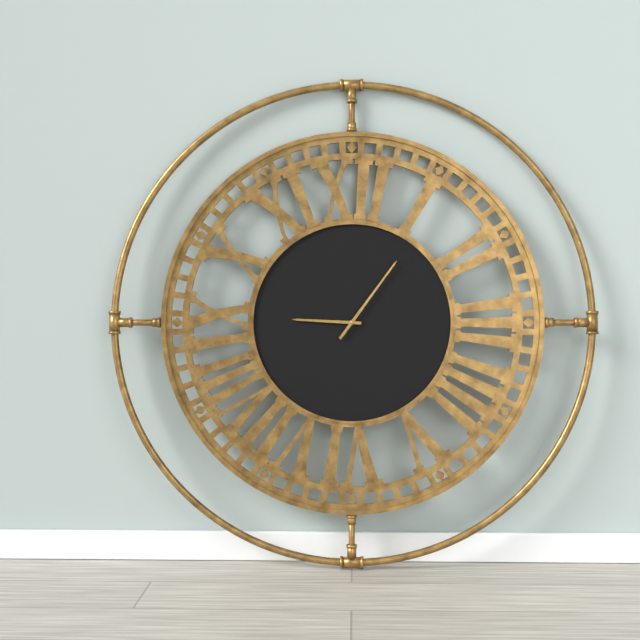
9:06
